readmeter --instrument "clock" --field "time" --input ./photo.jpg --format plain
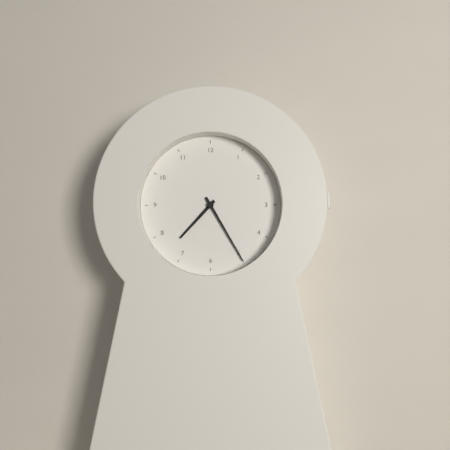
7:25
